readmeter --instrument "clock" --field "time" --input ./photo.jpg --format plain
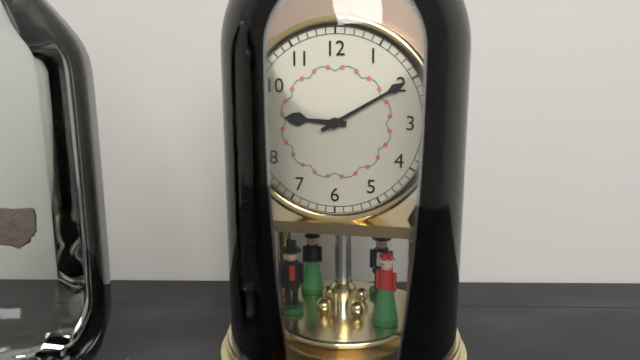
9:10
